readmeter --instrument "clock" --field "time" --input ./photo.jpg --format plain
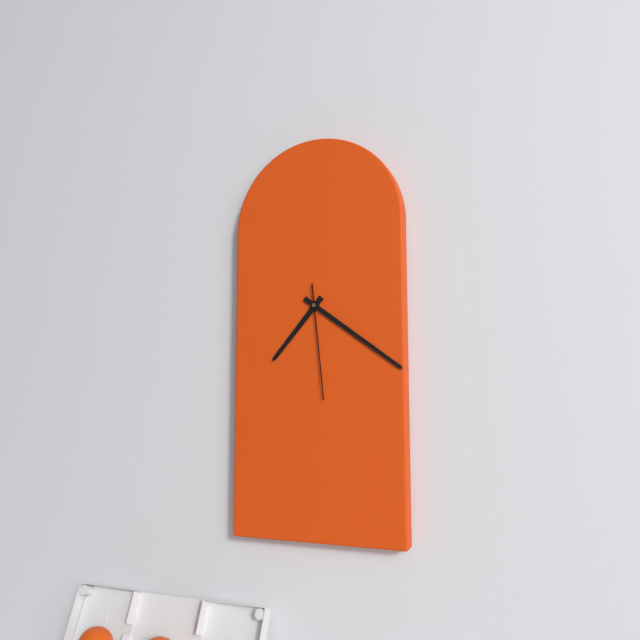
7:21:29
